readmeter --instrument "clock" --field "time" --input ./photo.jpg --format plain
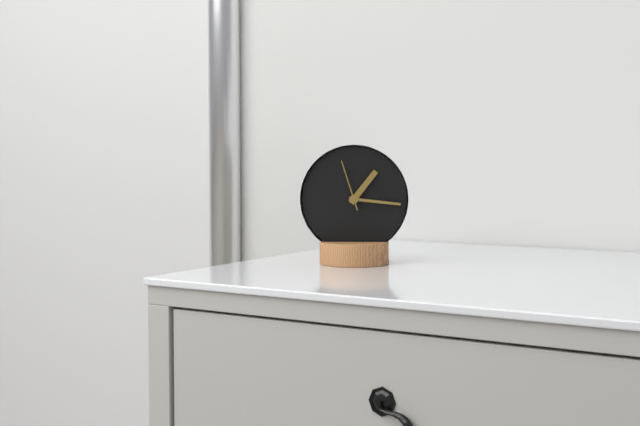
1:16:57
